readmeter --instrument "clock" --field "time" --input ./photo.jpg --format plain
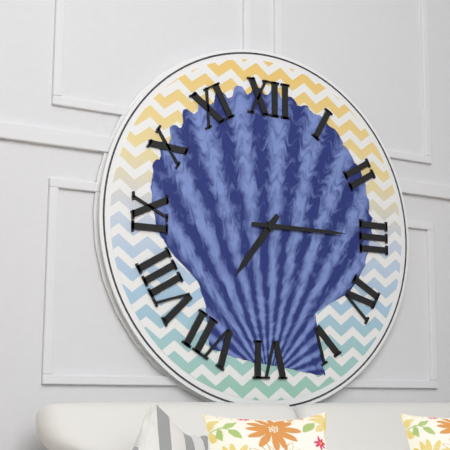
7:15
